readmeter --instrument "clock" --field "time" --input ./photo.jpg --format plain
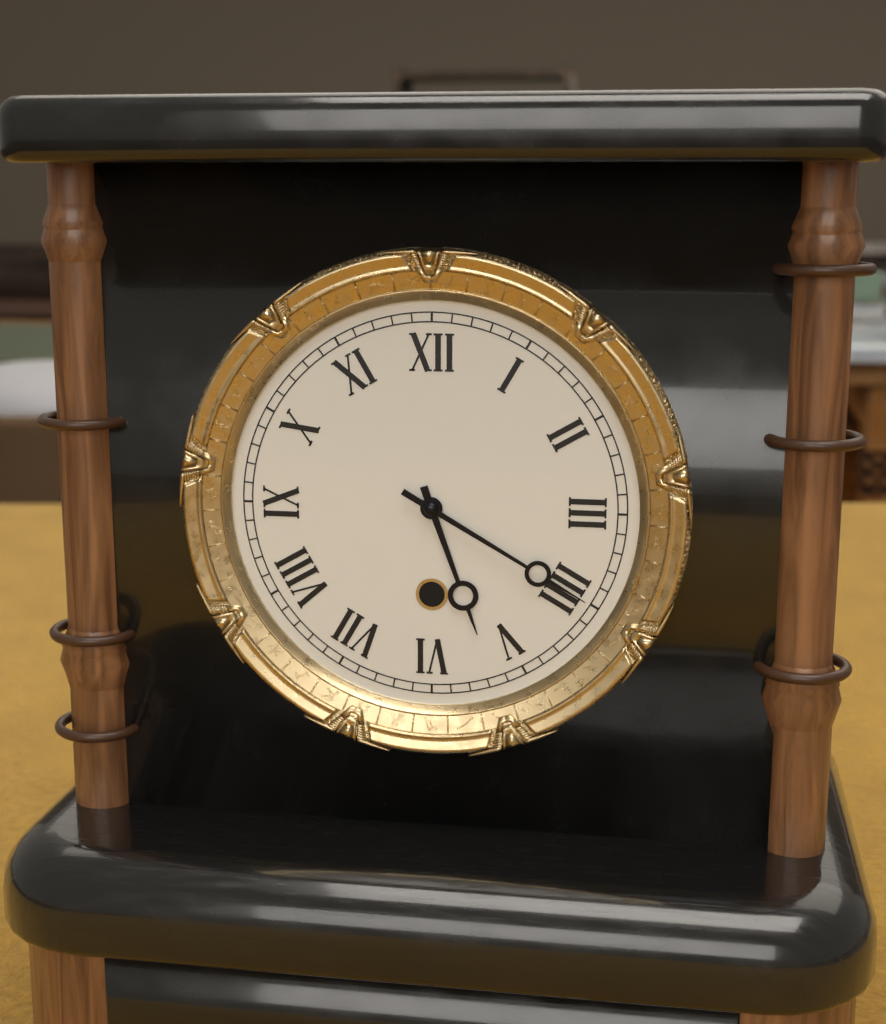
5:20
